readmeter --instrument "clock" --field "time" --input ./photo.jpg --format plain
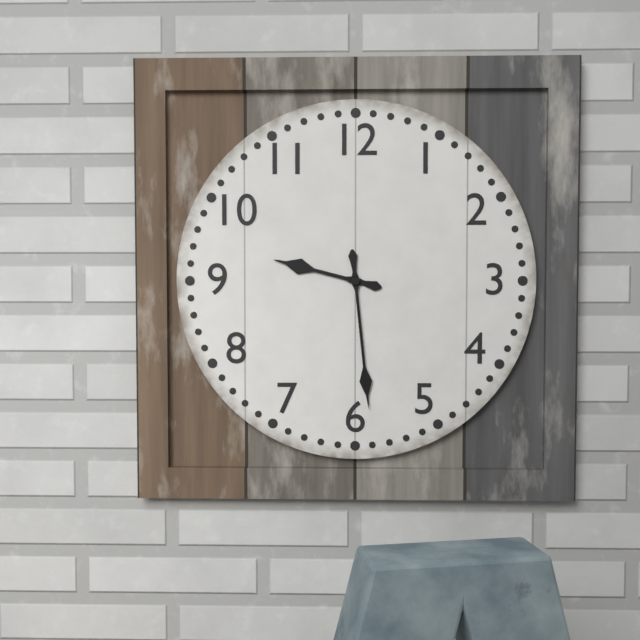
9:29
